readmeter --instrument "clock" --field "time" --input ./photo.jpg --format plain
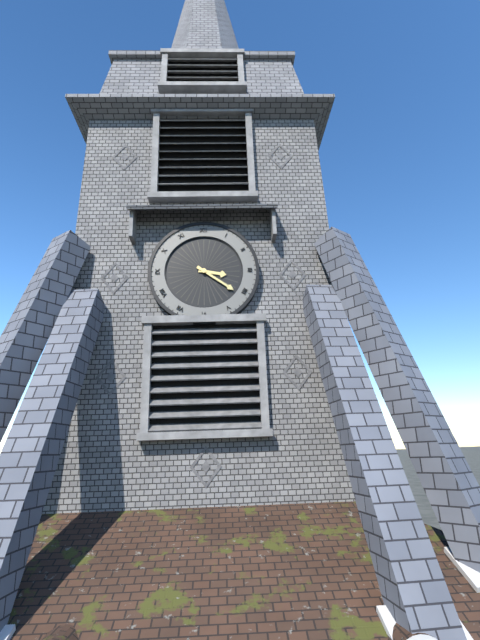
3:21
